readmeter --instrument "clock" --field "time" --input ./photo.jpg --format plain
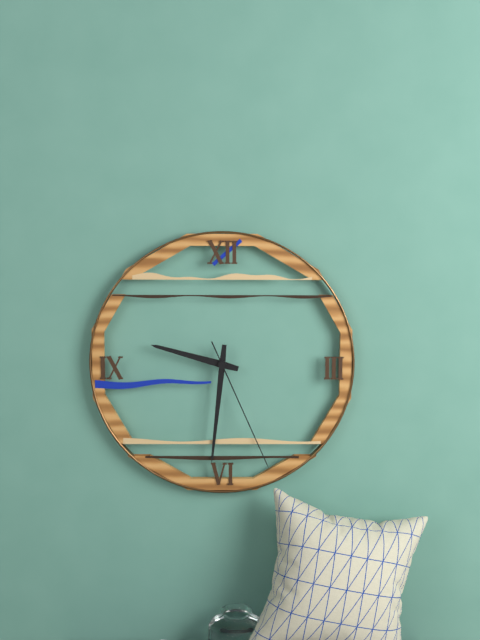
9:31:26
